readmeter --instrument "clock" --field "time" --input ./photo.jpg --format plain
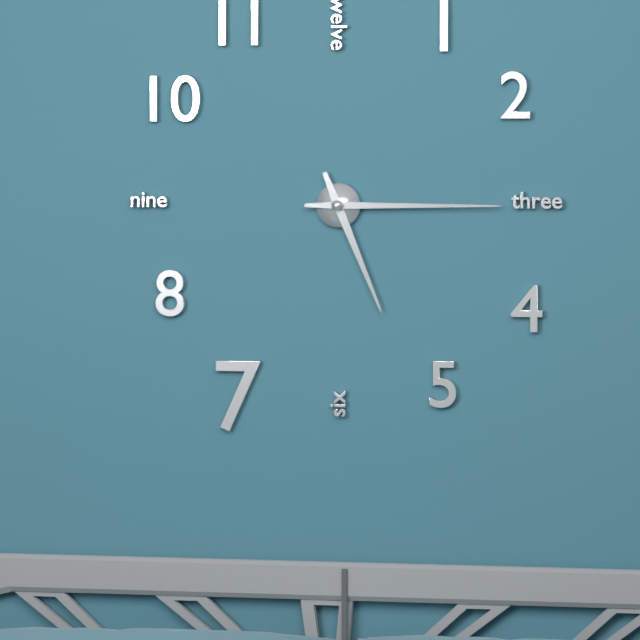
5:15
